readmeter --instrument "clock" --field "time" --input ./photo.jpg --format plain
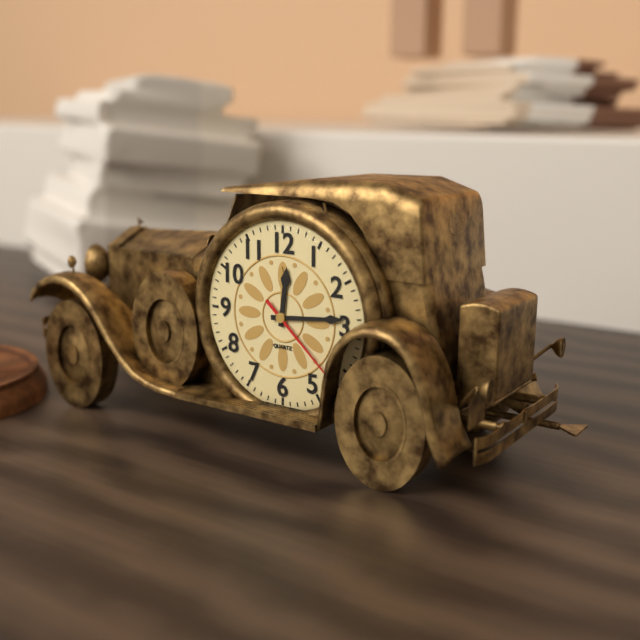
12:14:22
